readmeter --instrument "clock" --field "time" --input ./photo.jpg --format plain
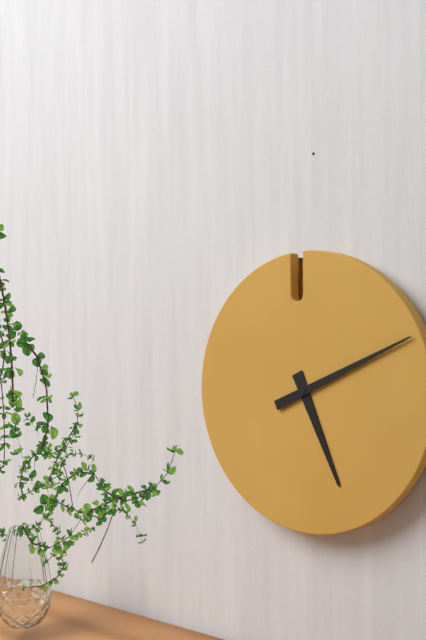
5:11
